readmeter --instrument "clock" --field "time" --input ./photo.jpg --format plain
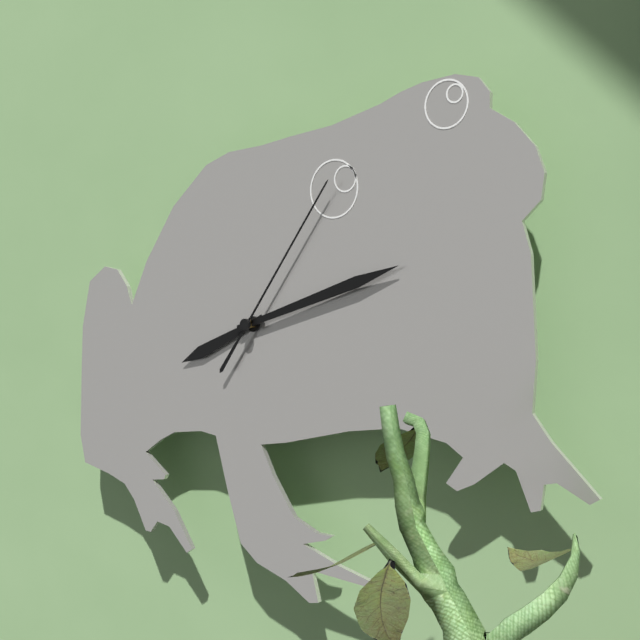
8:12:06
